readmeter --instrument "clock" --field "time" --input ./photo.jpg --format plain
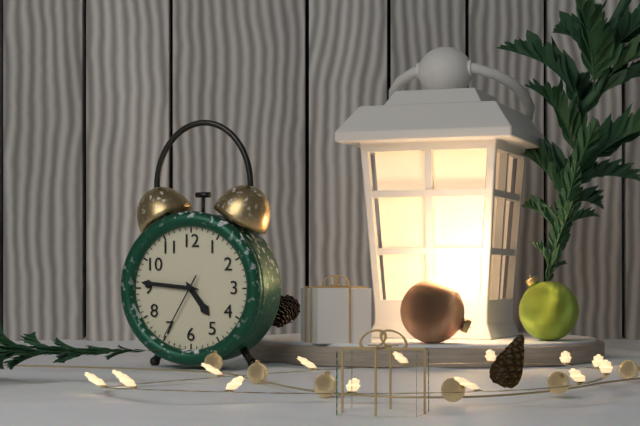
4:46:35
